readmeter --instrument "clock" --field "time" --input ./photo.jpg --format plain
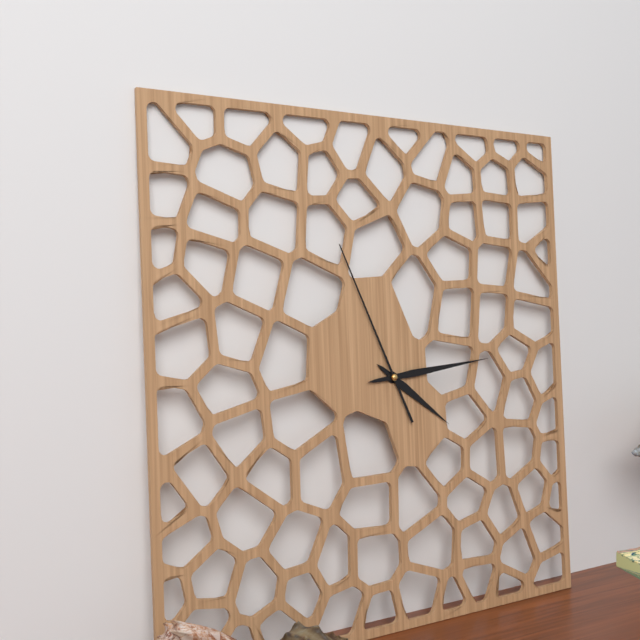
4:14:56
